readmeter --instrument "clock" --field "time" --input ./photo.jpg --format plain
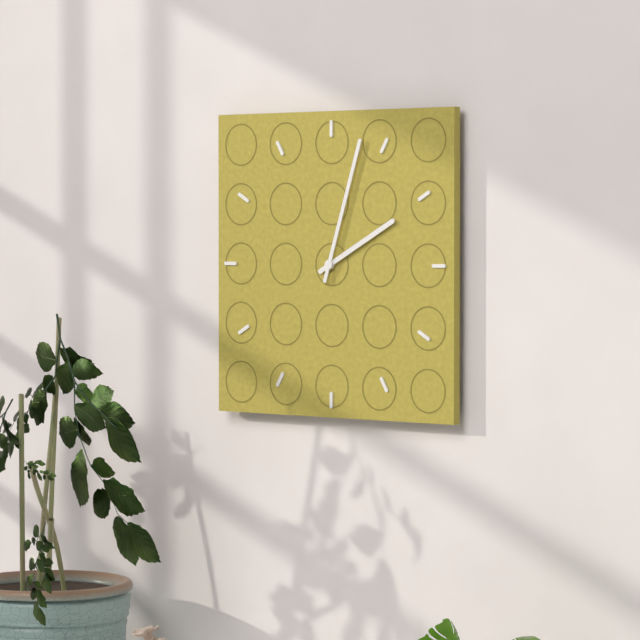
2:03
